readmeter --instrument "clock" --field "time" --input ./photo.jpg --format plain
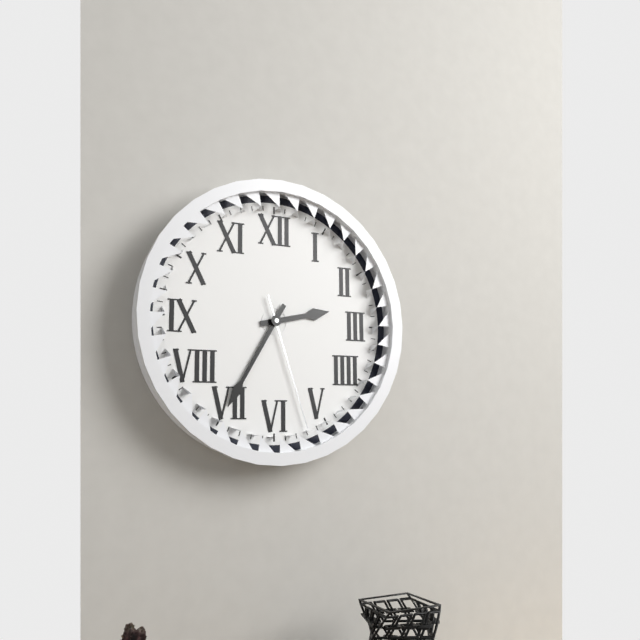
2:35:27
